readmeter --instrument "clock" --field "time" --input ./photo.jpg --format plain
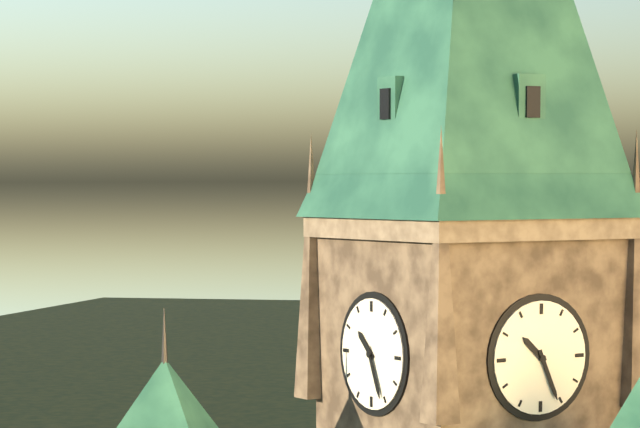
10:26
